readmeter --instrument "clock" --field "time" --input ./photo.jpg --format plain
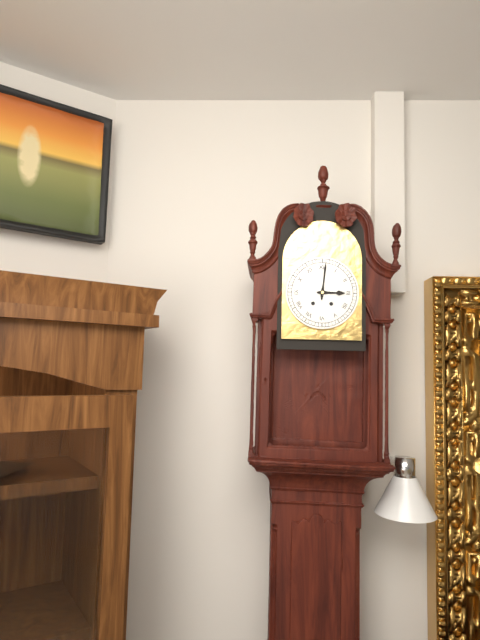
3:01
